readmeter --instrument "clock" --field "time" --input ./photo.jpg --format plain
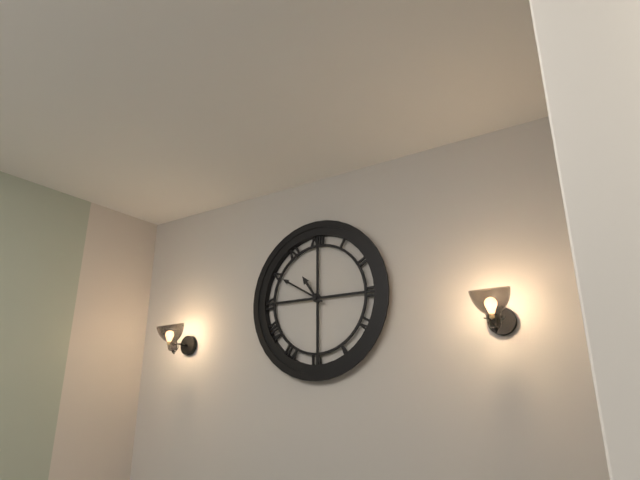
10:50
